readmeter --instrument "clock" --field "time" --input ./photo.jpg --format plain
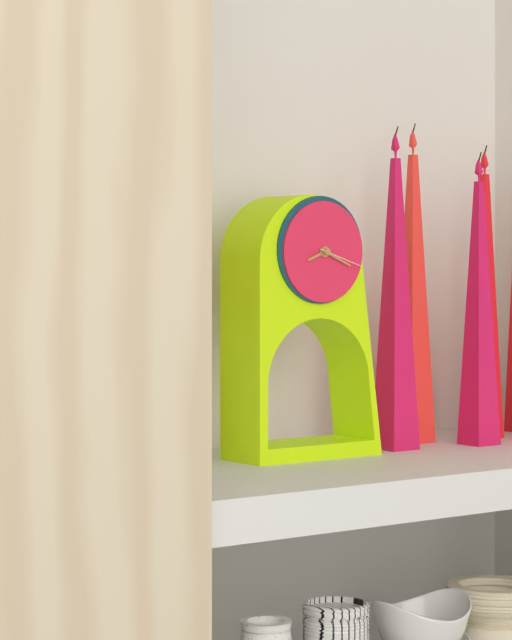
8:19
